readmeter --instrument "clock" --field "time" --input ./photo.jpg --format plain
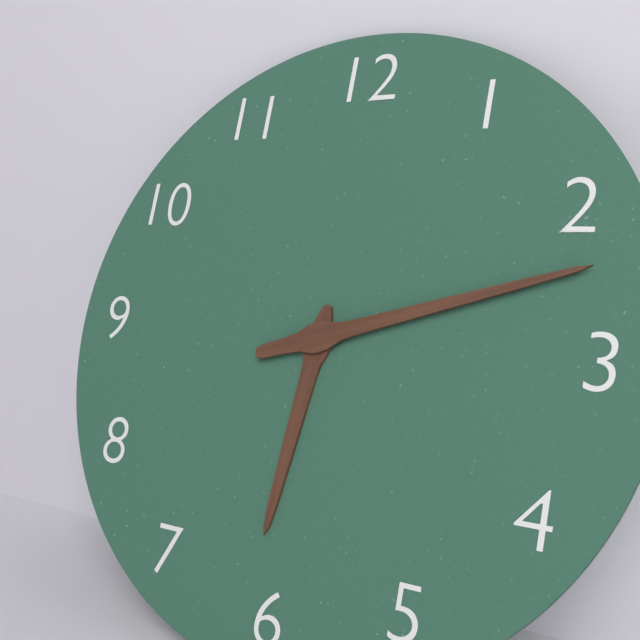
6:12
